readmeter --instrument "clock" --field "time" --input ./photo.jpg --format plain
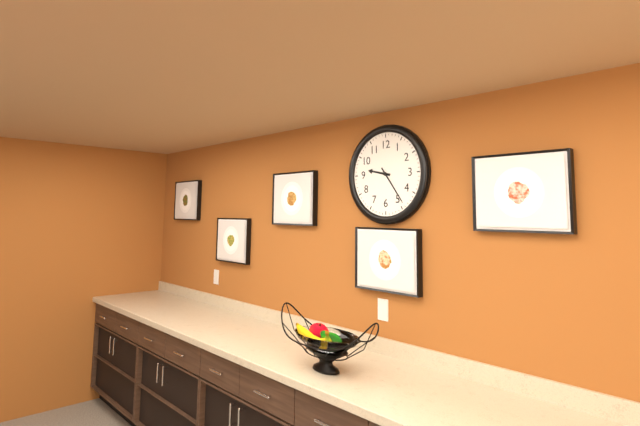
9:24
